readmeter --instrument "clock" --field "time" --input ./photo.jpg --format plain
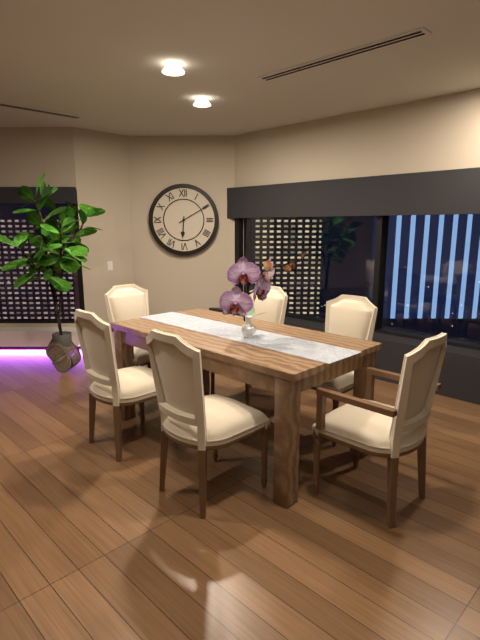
6:10
